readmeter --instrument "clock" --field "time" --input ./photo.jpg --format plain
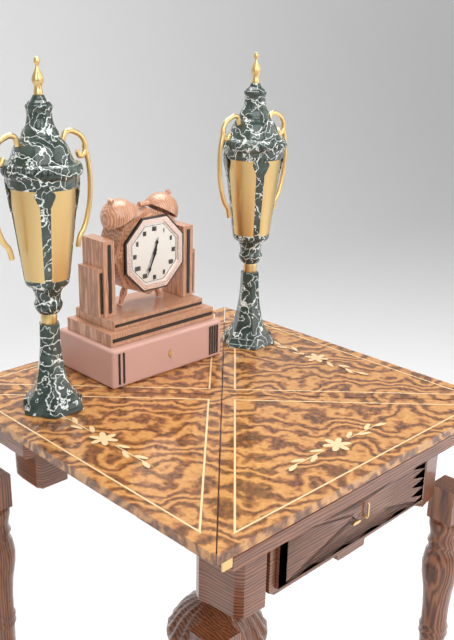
12:34
